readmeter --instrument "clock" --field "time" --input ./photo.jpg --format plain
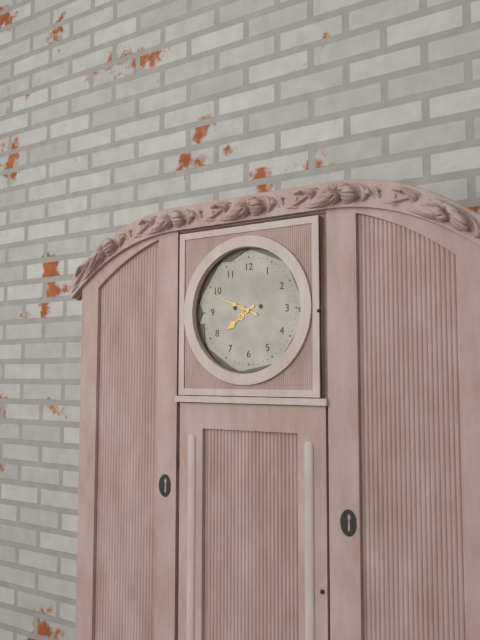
7:49
